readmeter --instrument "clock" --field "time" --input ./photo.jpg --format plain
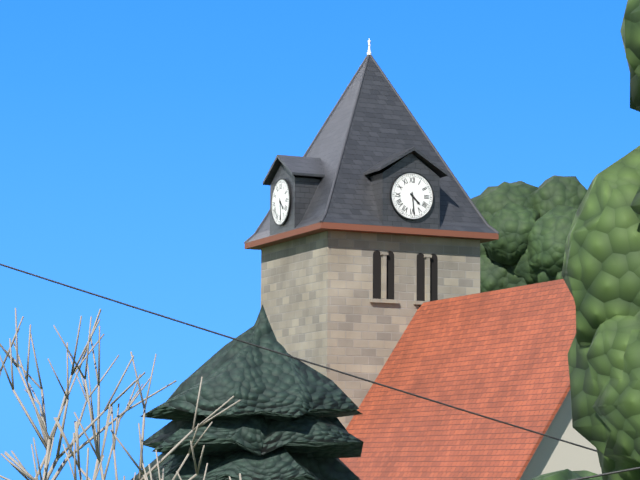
4:29
